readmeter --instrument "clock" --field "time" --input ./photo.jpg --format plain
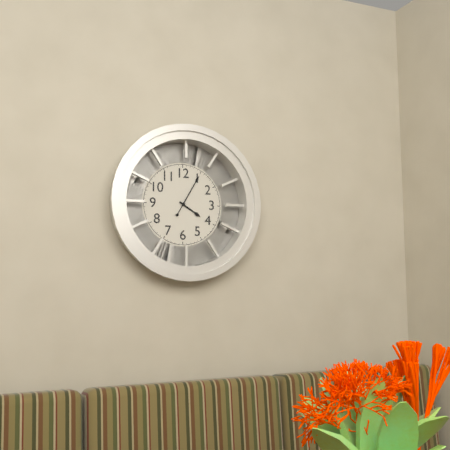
4:05
